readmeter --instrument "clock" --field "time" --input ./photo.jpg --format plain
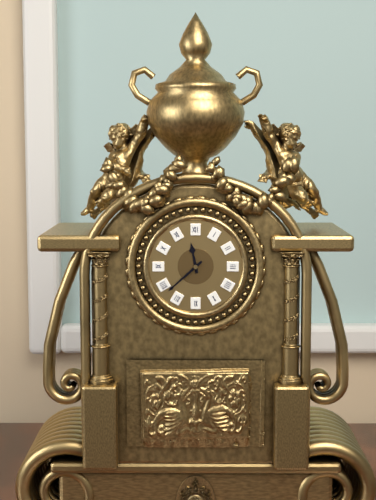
11:38
